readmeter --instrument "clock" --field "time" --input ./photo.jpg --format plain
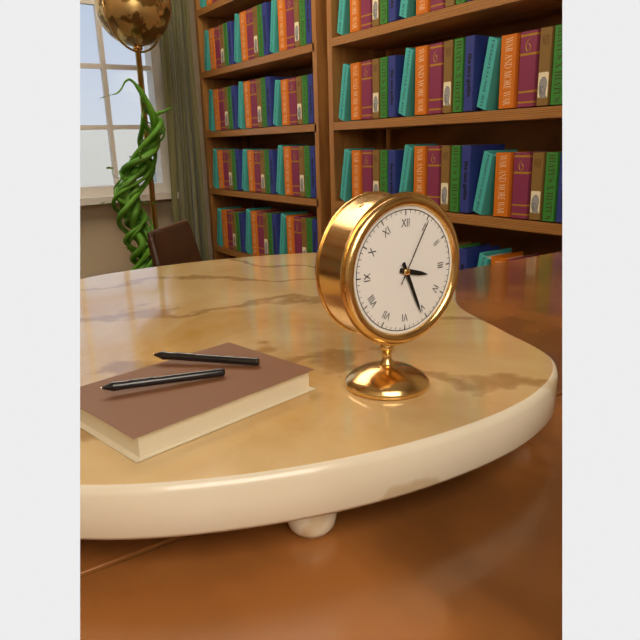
3:26:05
